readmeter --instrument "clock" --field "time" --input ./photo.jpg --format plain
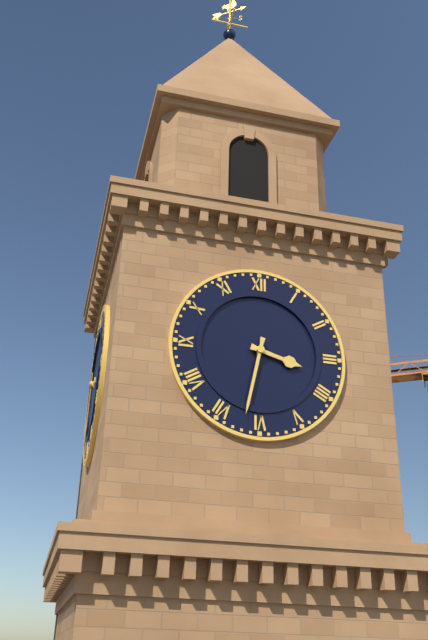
3:32
